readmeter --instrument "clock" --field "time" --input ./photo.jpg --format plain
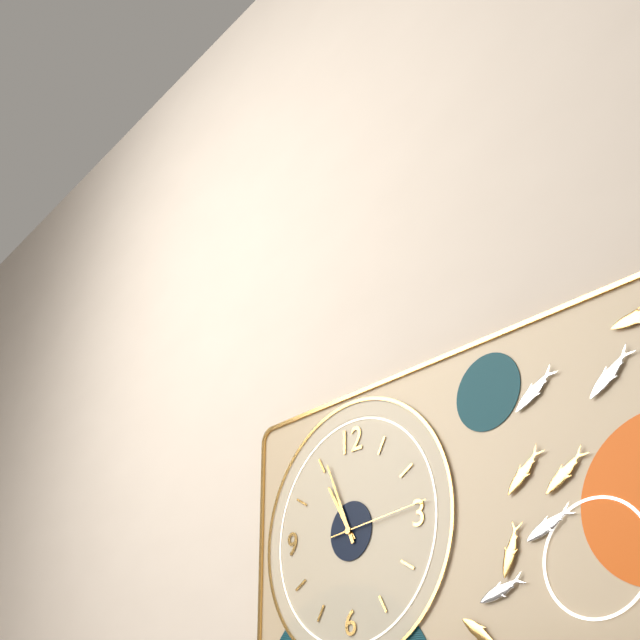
10:56:14
